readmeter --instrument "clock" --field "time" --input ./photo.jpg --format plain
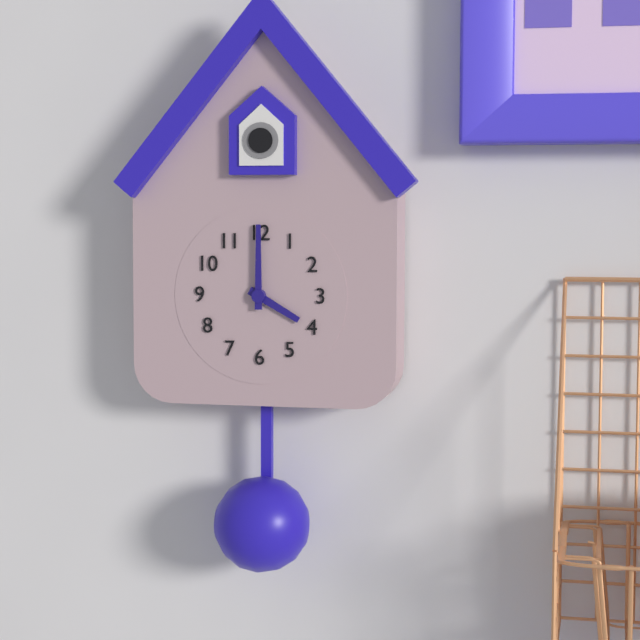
4:00
